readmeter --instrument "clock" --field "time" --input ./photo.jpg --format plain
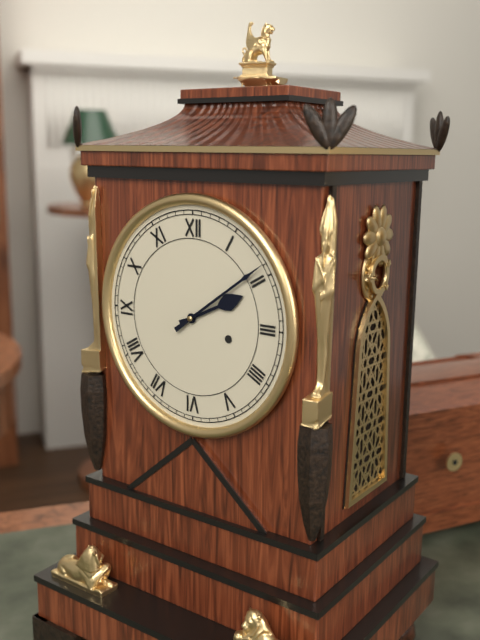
2:09
